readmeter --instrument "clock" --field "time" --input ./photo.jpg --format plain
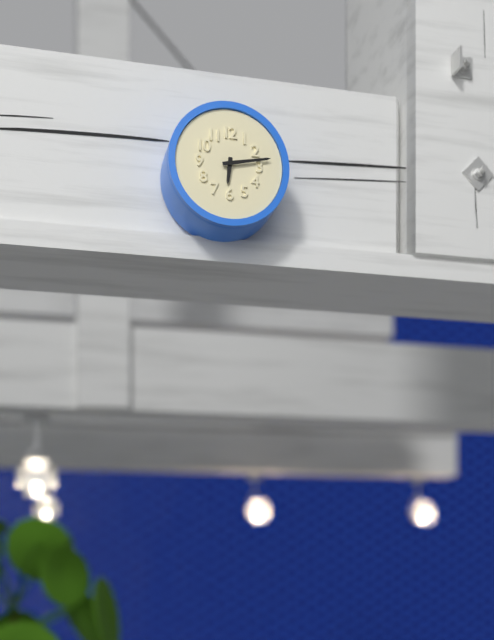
6:13
